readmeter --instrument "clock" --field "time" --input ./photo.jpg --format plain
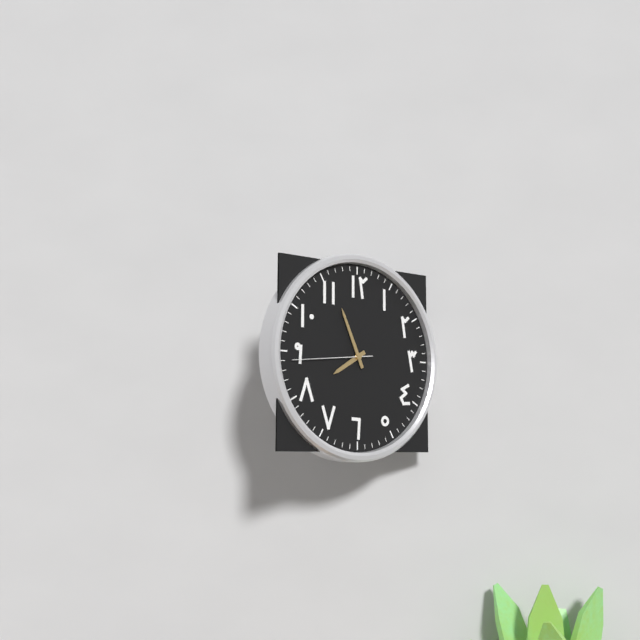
7:56:44
